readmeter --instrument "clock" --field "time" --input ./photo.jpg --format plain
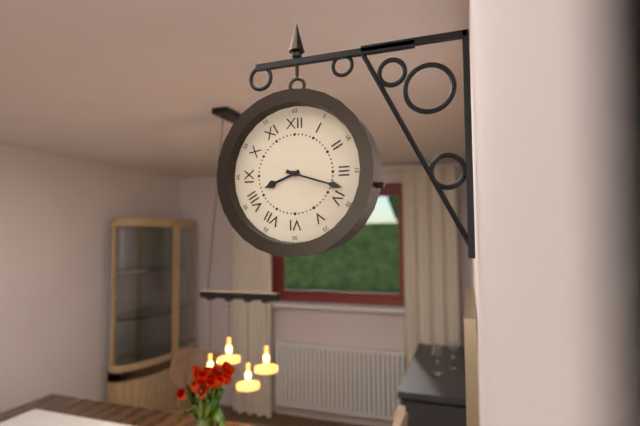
8:18
